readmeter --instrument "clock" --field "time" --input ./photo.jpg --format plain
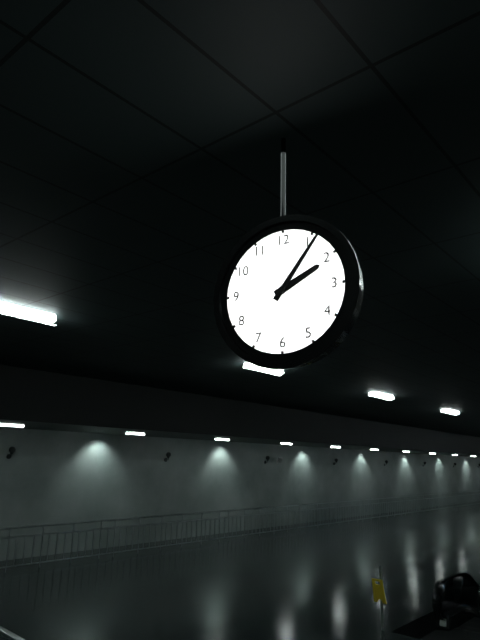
2:06
